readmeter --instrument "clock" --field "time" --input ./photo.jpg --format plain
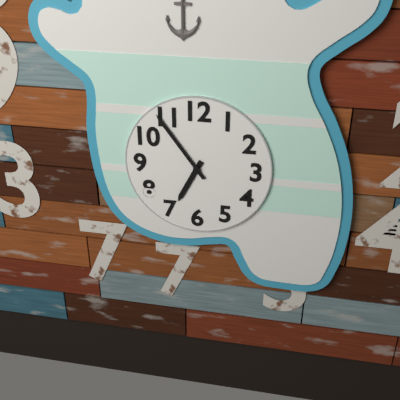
6:54
